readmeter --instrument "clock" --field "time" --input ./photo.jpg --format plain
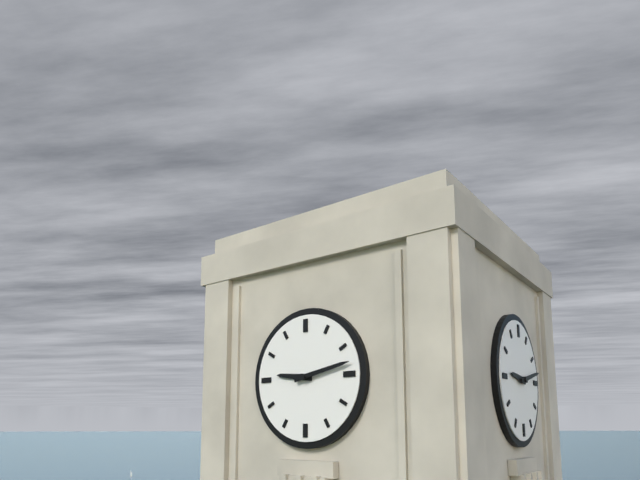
9:13
